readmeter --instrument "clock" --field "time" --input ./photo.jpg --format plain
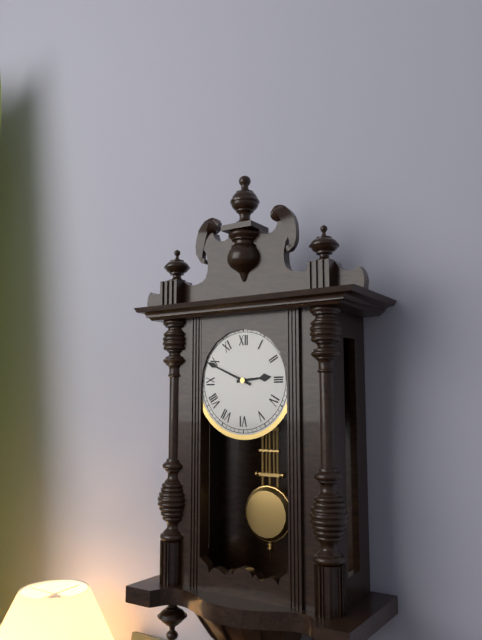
2:49
